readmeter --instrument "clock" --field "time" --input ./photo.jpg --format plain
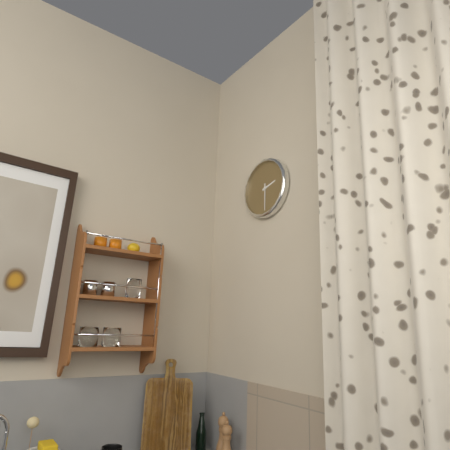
2:30
